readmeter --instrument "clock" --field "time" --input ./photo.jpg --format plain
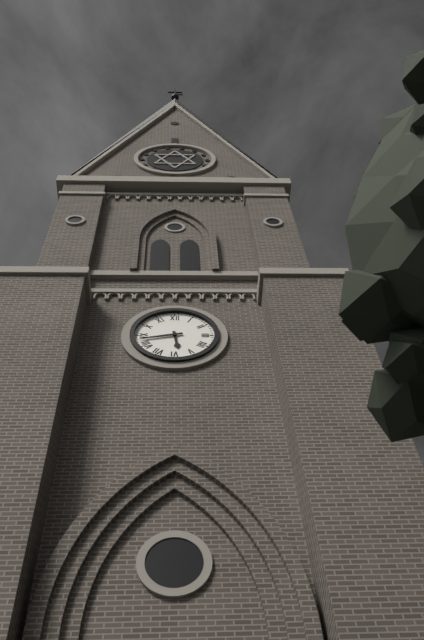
5:43
